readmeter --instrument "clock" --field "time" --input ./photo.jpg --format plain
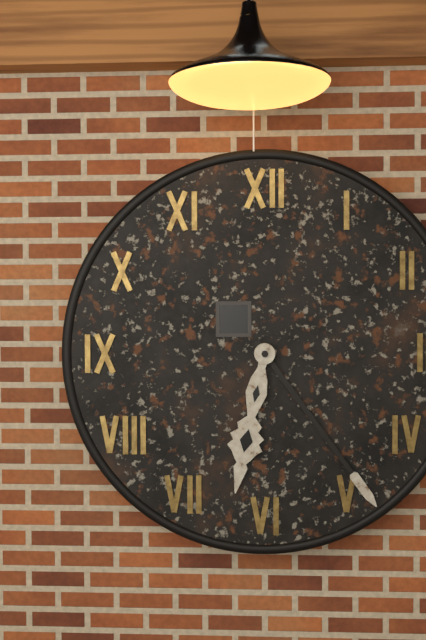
6:24
